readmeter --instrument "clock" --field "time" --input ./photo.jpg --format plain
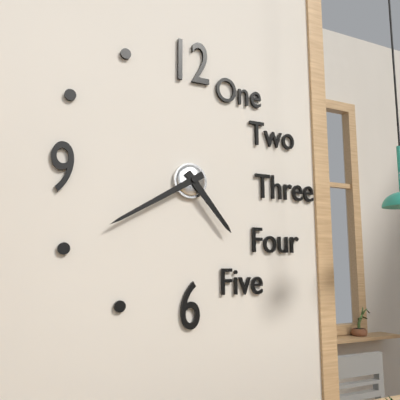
4:40
